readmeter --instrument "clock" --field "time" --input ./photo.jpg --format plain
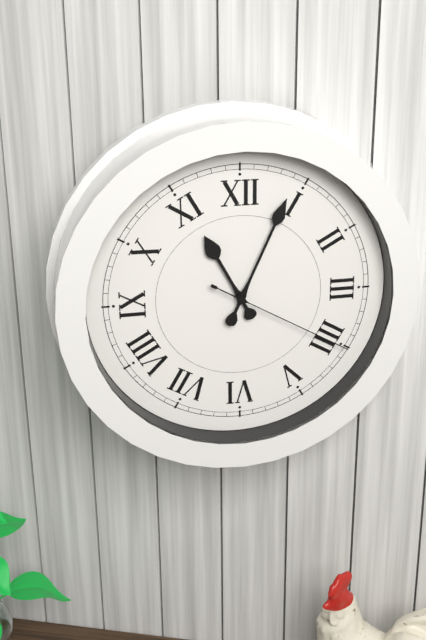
11:04:20
